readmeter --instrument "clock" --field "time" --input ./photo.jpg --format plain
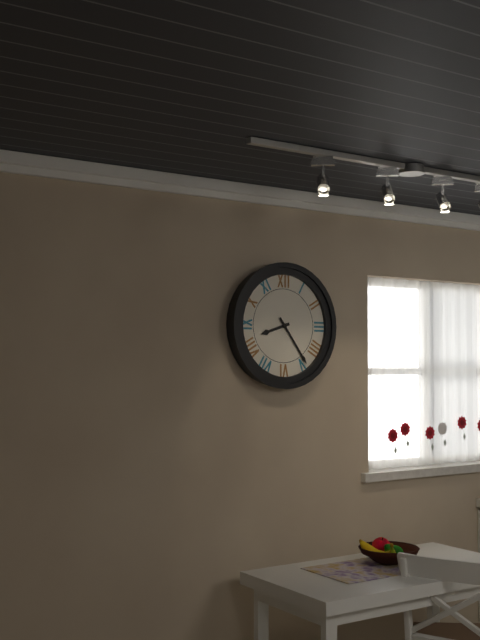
8:24
